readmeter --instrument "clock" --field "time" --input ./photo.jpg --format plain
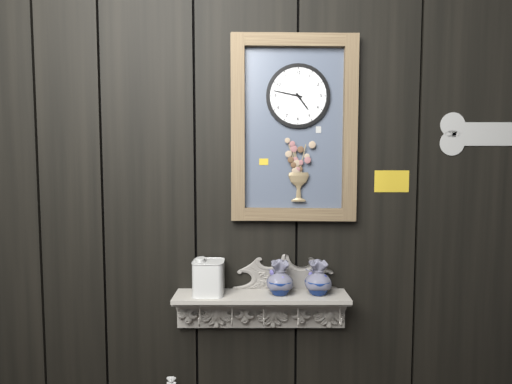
4:47
